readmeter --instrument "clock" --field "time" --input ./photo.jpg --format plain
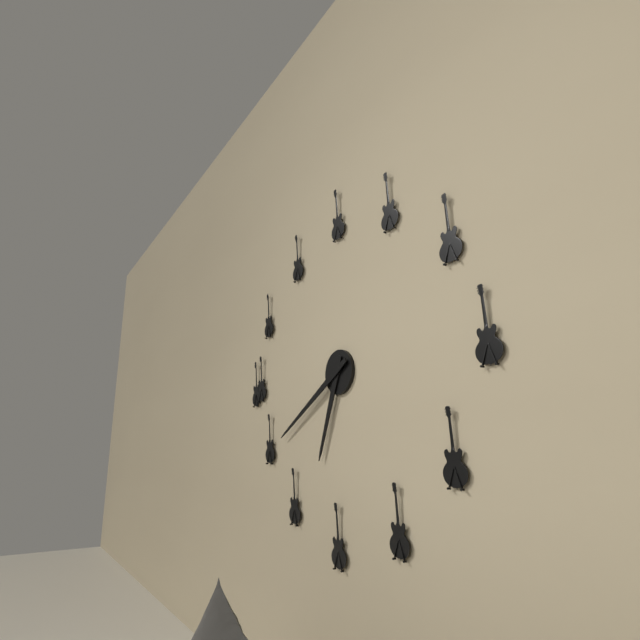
6:40
